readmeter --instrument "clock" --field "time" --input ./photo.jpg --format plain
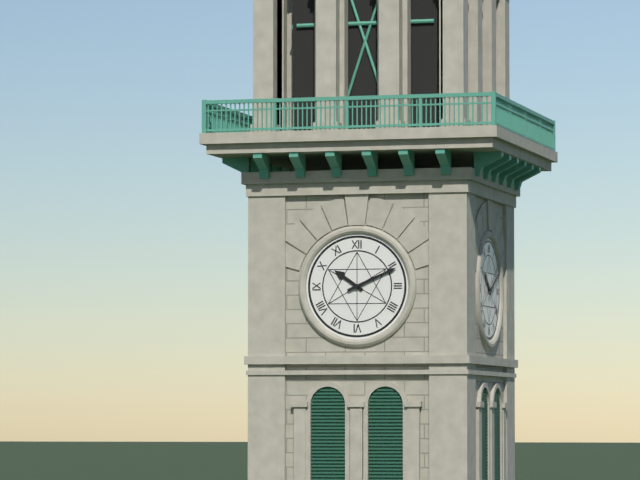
10:11
